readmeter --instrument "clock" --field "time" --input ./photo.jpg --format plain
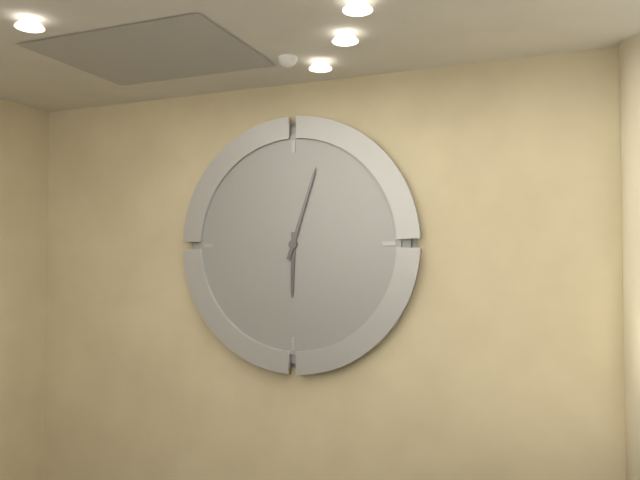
6:03
